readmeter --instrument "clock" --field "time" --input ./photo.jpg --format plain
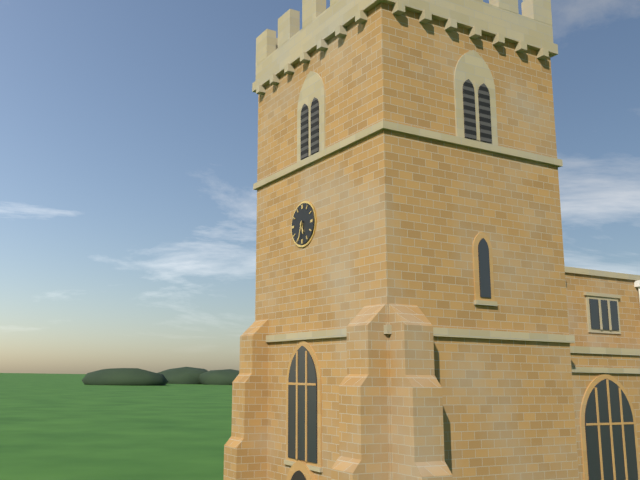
5:33
